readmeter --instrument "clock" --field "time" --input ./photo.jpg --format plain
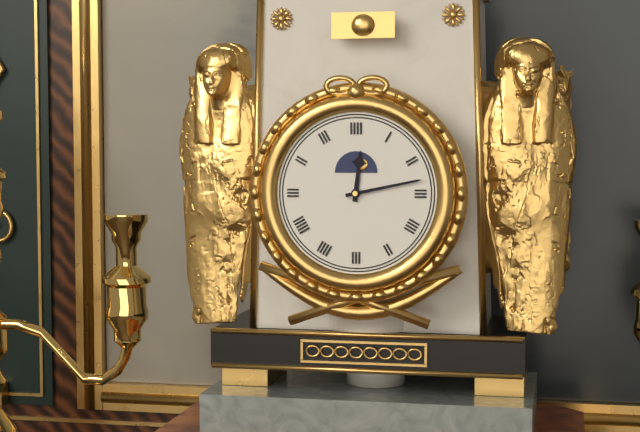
12:13
